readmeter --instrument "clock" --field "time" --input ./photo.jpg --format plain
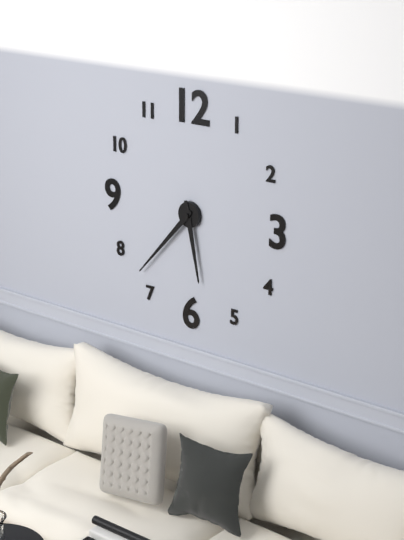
5:37
